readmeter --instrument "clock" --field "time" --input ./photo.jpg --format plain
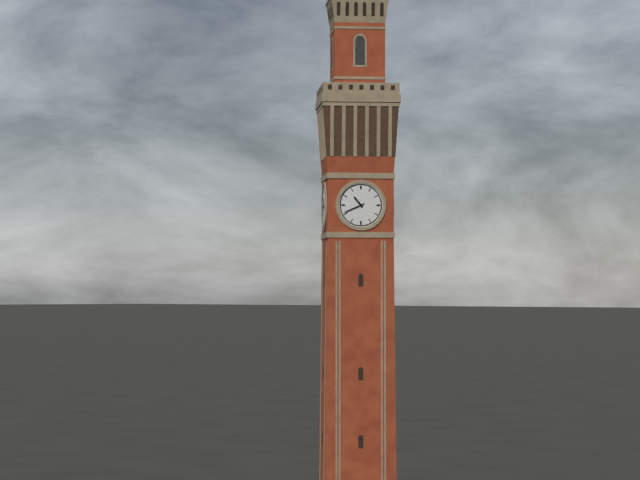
10:41
